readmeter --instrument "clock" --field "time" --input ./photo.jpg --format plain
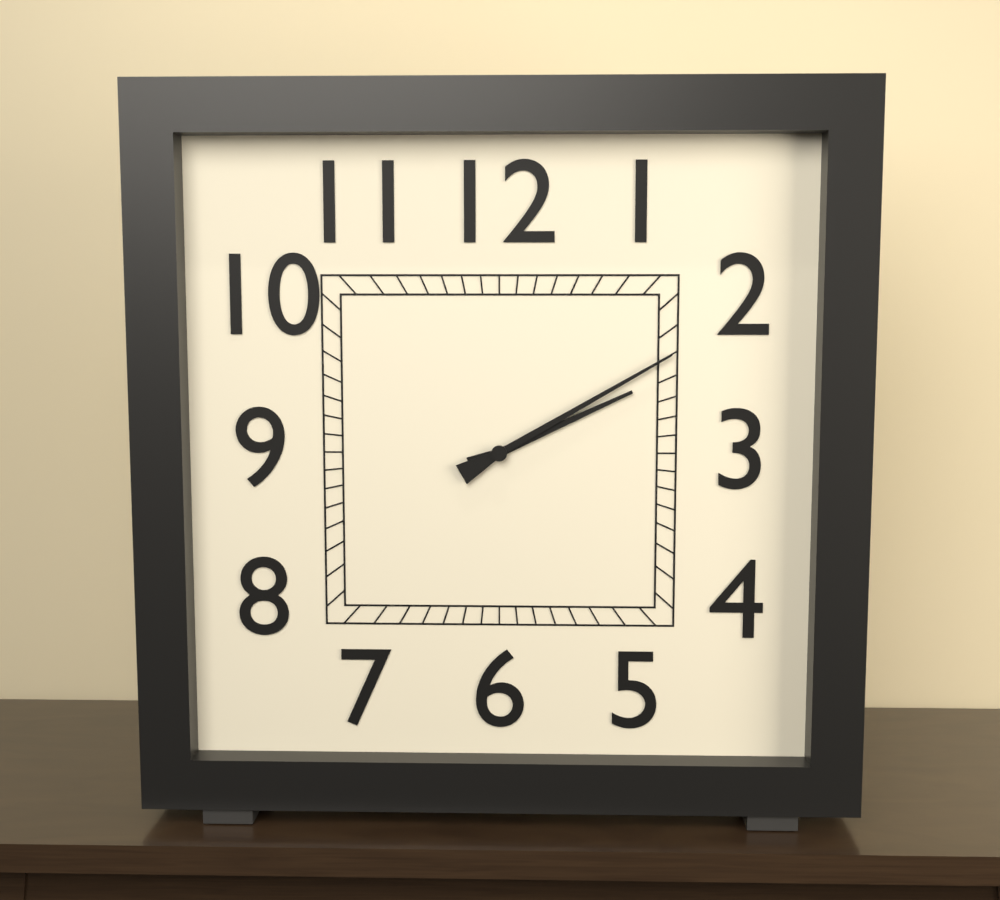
2:10
